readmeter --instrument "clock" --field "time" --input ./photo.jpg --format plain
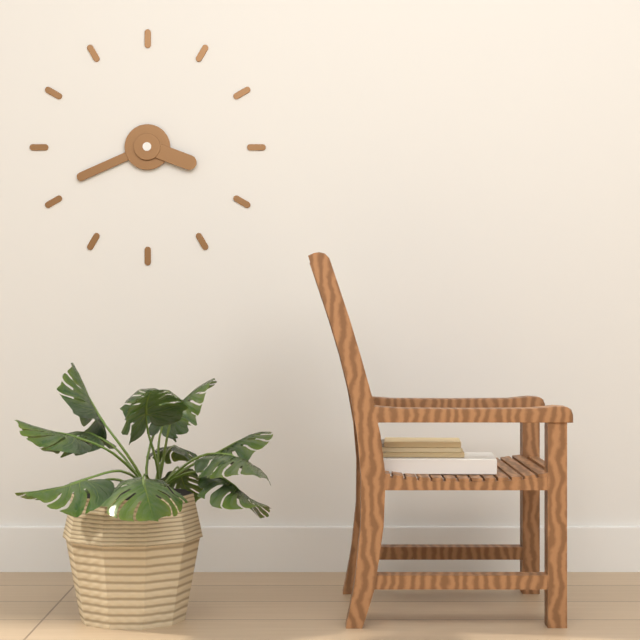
3:41
